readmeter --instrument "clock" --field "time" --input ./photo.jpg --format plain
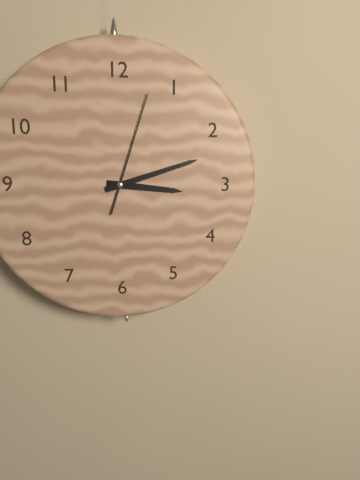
3:12:03
